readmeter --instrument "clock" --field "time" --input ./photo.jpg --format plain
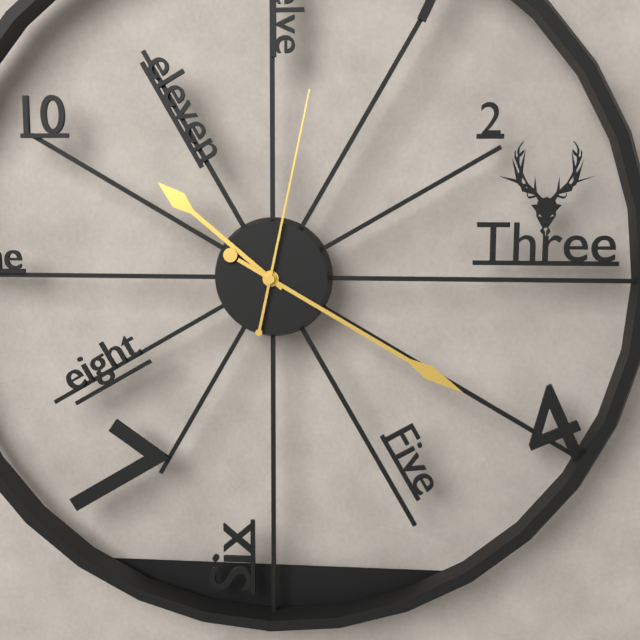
10:20:02
